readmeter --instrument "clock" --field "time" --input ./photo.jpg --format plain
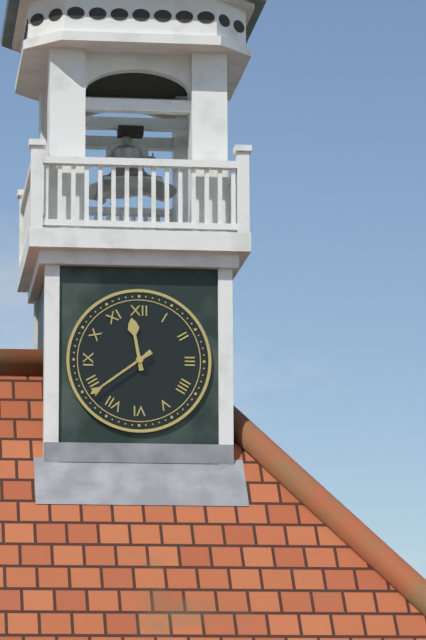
11:39
